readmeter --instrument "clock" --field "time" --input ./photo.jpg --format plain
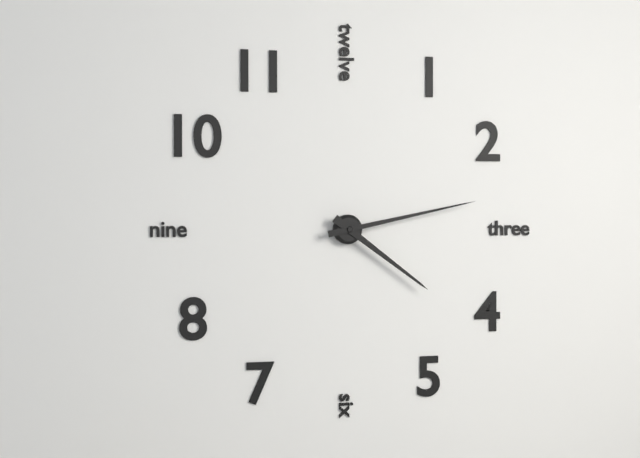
4:13
